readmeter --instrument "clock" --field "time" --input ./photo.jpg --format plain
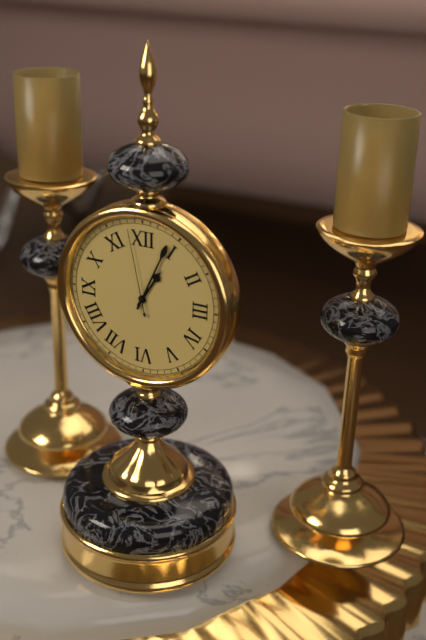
1:04:58
